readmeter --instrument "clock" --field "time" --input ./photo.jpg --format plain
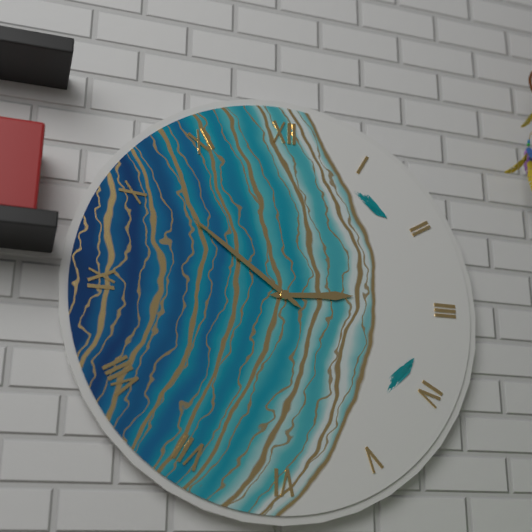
2:51
